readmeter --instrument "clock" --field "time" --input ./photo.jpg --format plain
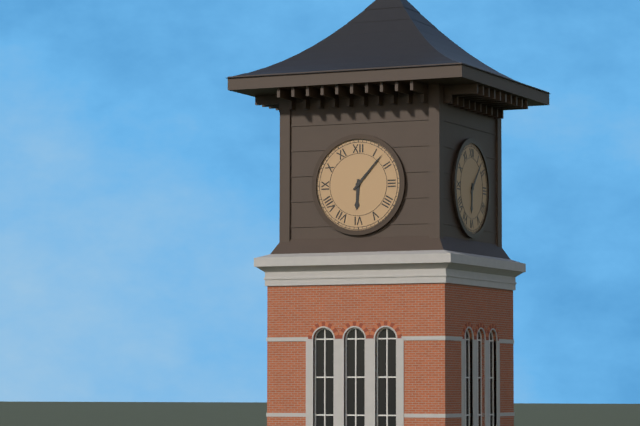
6:07
